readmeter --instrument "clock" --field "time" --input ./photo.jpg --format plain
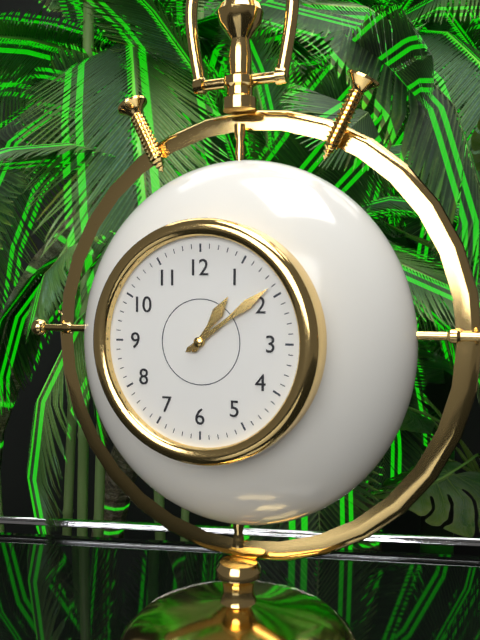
1:09
